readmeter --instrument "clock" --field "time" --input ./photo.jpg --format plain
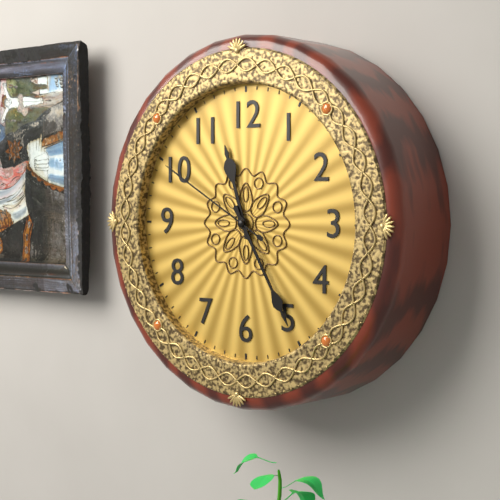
11:25:50
